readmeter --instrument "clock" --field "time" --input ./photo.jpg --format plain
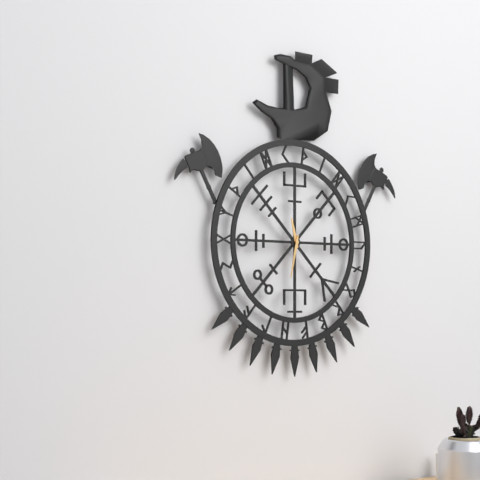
11:32
